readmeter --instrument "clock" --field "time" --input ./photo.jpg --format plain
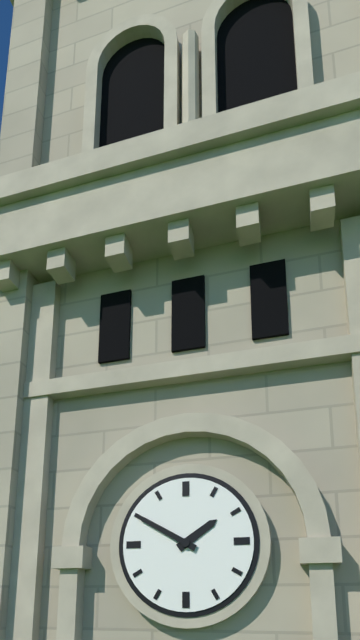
1:50
